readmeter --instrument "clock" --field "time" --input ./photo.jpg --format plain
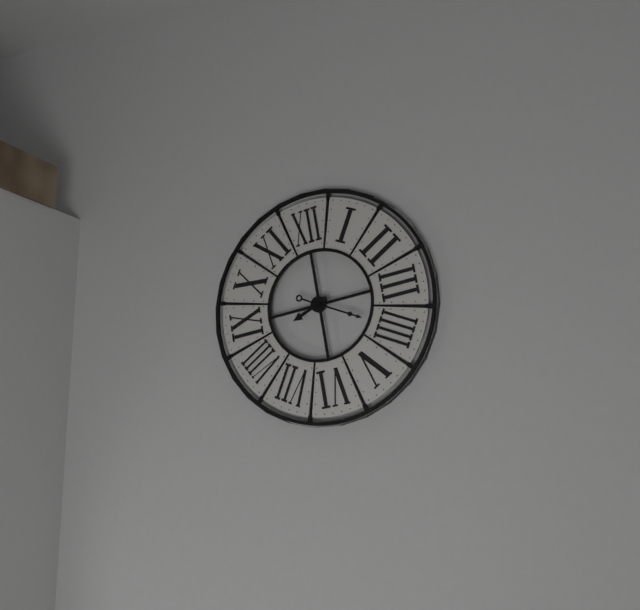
8:20
